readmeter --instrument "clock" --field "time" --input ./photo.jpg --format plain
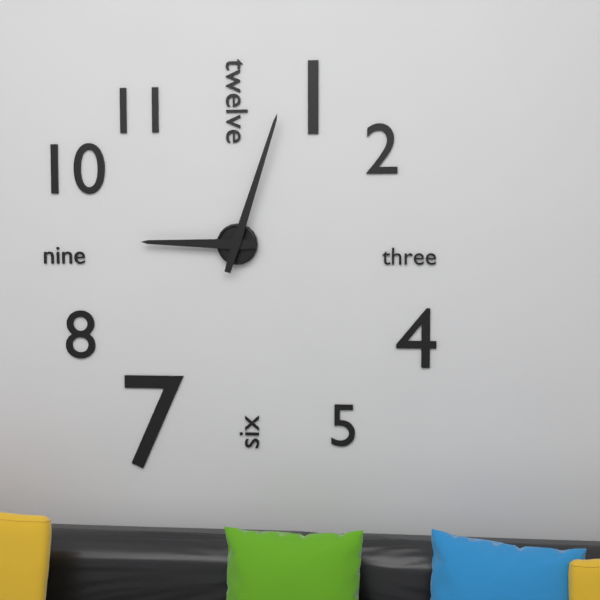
9:03
